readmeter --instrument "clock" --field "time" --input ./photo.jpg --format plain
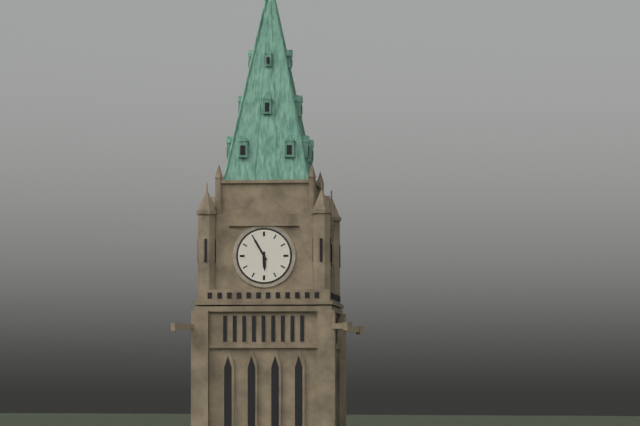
5:55
